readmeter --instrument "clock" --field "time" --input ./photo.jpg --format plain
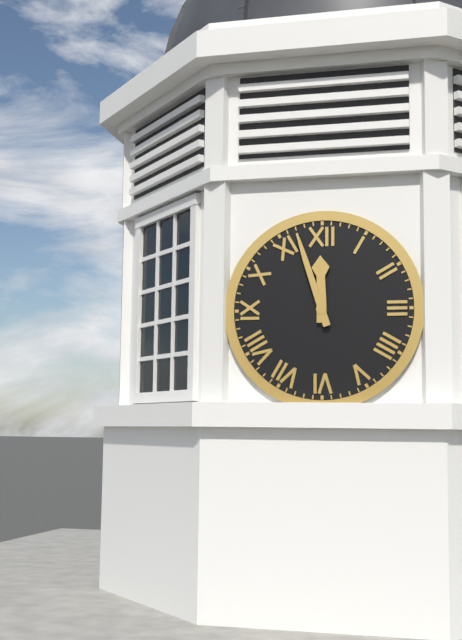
11:57
